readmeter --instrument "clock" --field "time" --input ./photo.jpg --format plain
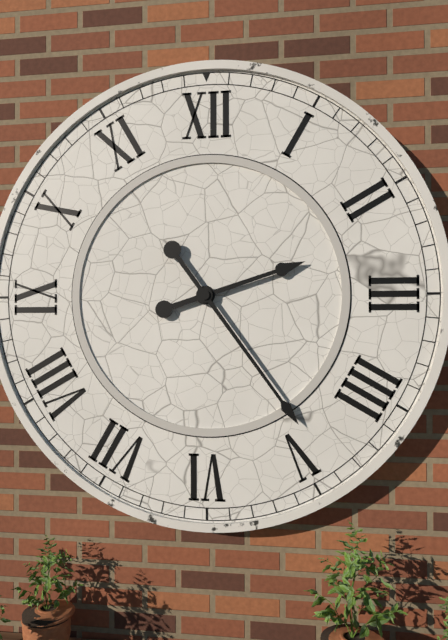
2:24
